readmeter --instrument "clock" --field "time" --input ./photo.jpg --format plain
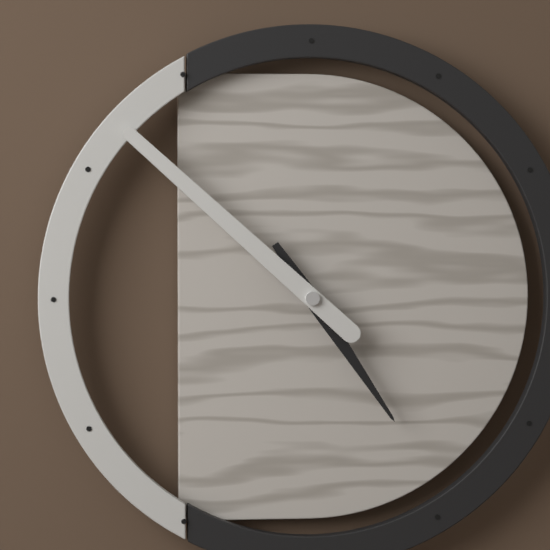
4:52
